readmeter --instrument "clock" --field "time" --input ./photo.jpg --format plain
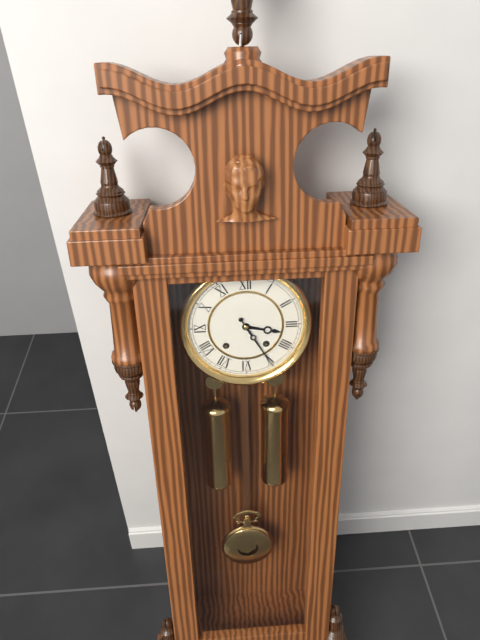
3:25
